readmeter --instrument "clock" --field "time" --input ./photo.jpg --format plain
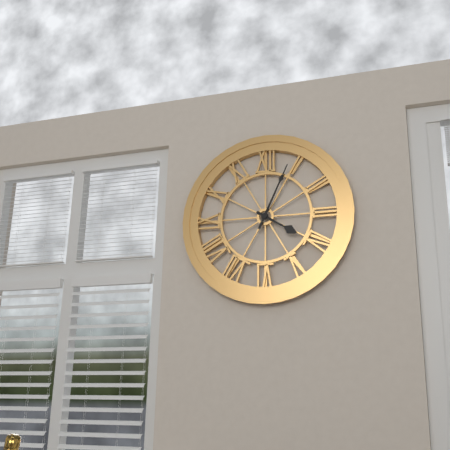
4:04
